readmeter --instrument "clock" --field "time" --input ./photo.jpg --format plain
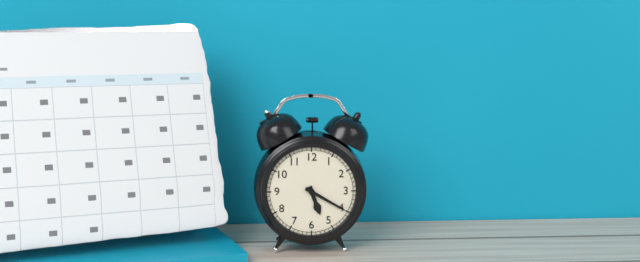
5:20
